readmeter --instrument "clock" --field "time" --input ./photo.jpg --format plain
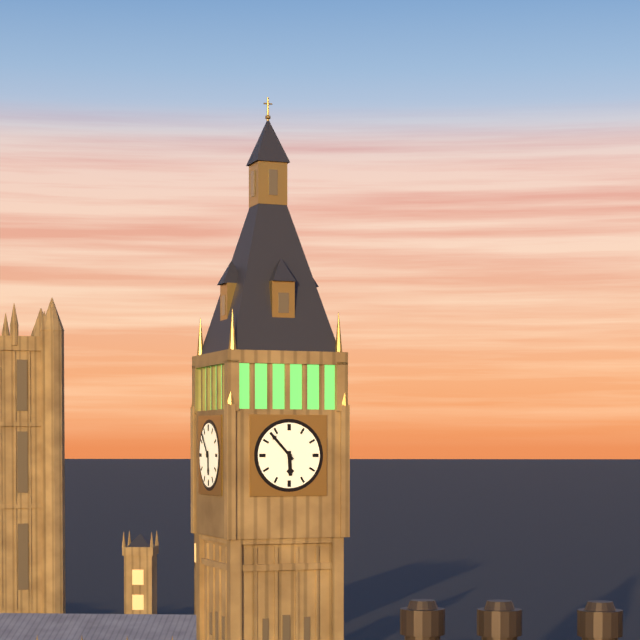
5:53
